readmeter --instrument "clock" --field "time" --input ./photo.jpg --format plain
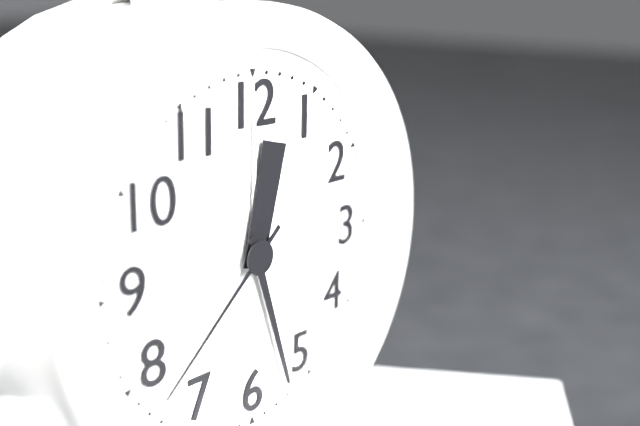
12:27:38
